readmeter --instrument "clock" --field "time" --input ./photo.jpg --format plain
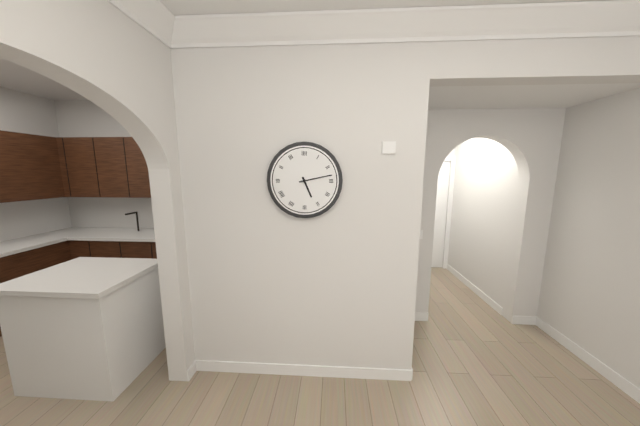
5:13
